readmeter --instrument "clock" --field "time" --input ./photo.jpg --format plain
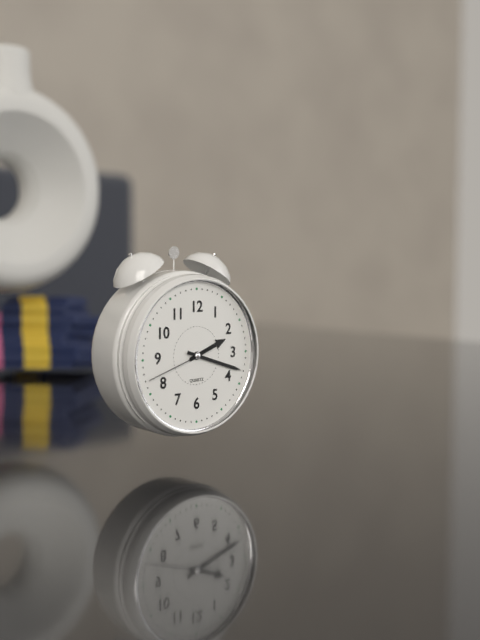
2:18:42
